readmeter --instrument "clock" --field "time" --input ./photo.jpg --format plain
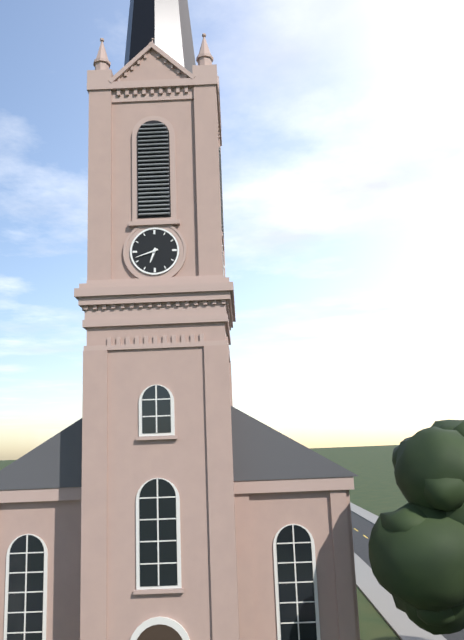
6:42
